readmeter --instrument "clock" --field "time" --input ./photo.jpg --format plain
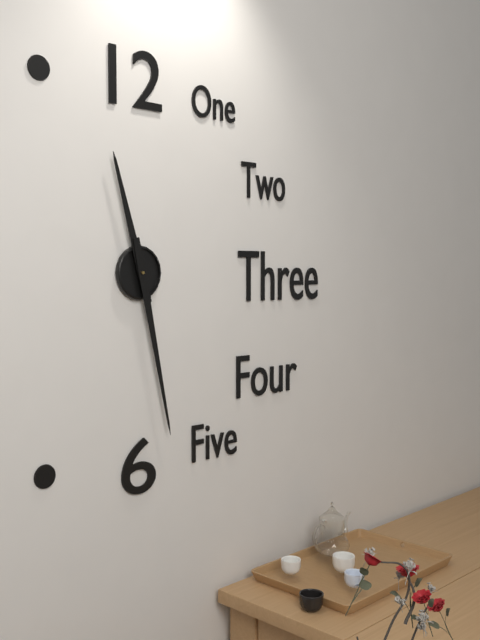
11:28
